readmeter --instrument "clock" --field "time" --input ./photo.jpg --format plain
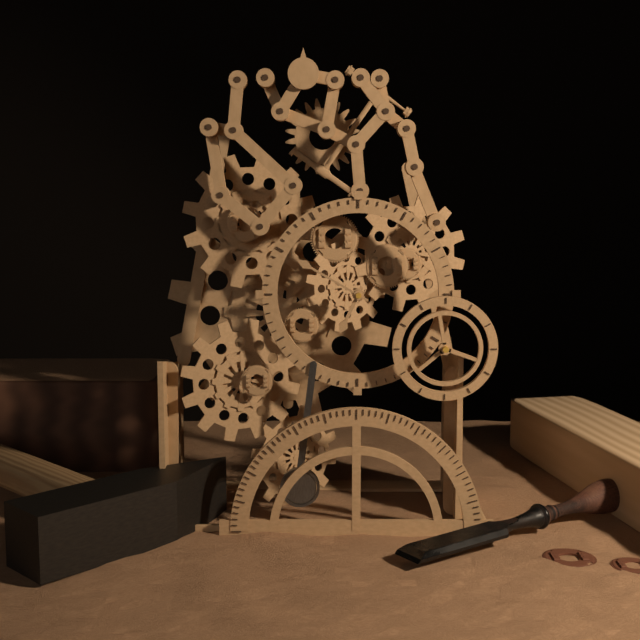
6:50
